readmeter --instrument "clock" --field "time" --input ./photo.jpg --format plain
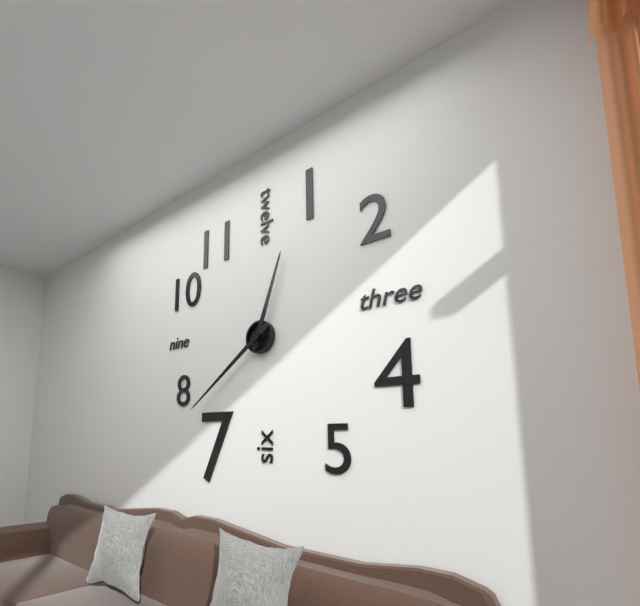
12:39
